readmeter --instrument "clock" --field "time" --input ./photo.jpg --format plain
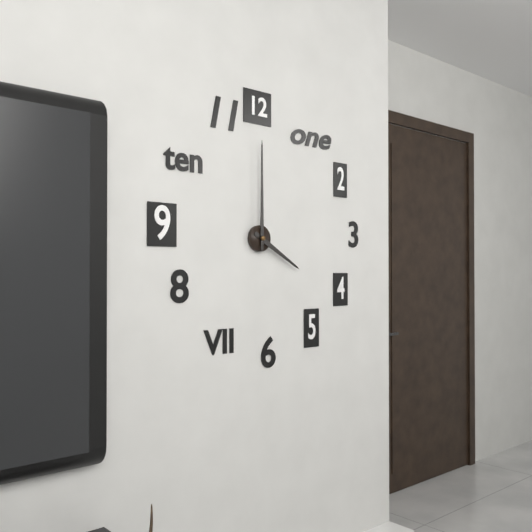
4:00
